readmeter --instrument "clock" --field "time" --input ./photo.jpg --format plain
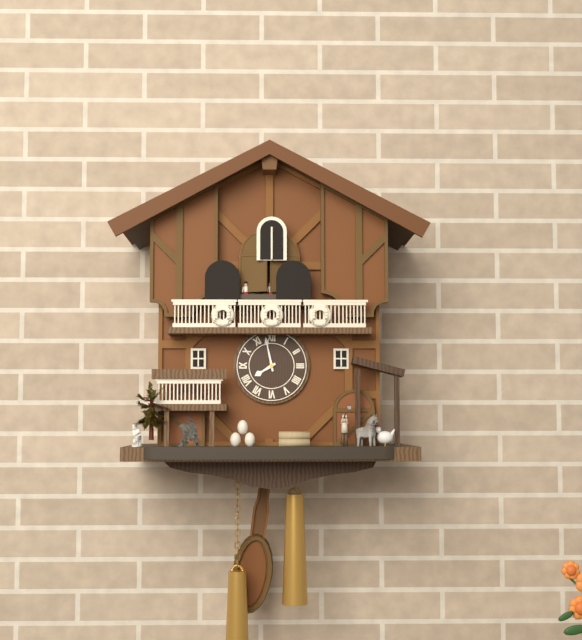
7:58
